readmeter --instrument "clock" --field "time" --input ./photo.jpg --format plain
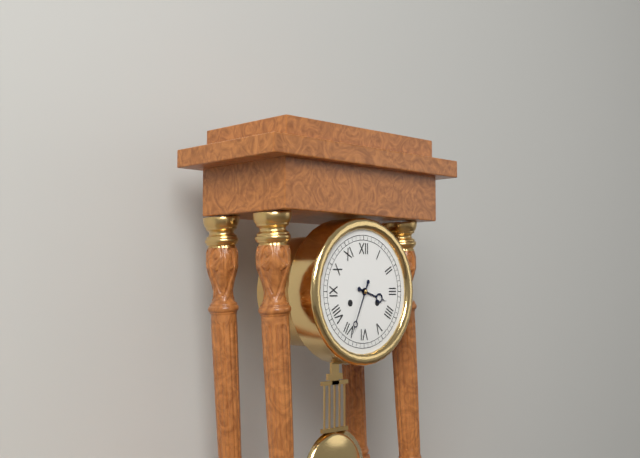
3:34
